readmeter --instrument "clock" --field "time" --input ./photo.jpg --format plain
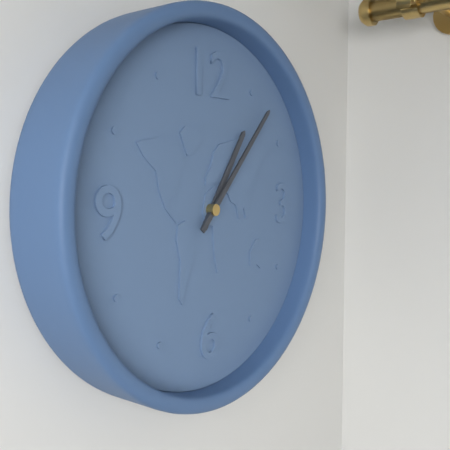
1:07
